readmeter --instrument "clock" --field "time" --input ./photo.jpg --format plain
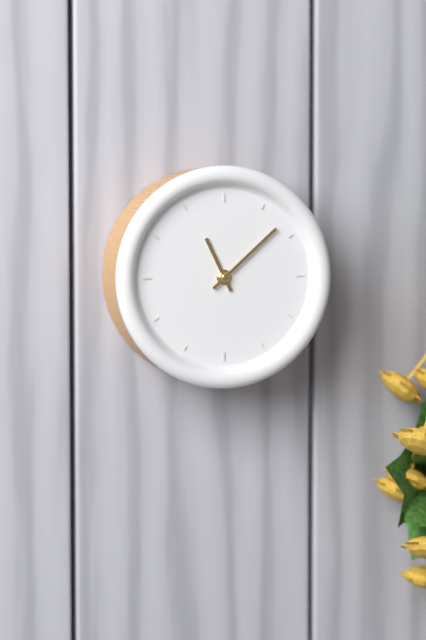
11:08
